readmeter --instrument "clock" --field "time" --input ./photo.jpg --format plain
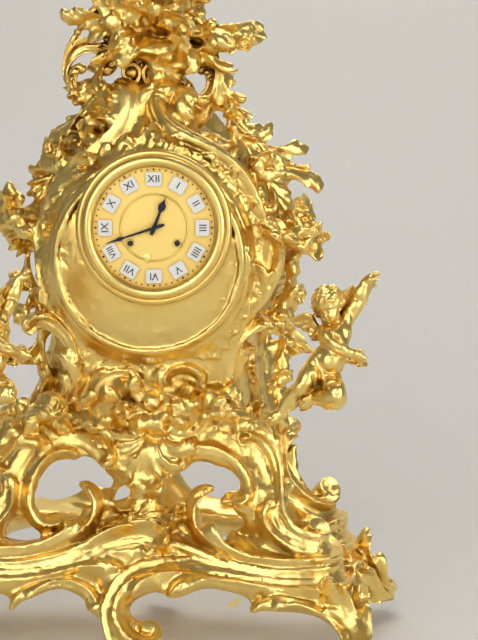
12:42
